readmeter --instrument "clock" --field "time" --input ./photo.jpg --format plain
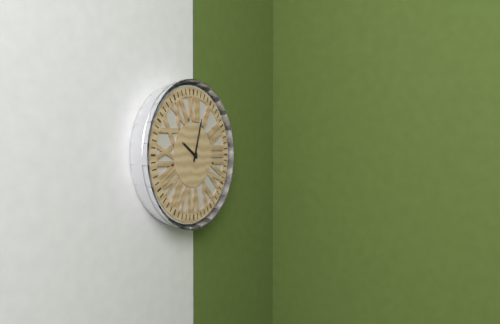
10:03
